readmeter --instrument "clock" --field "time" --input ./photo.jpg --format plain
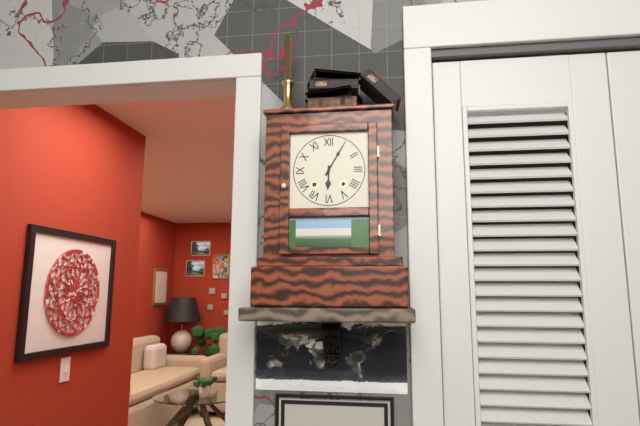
6:05
